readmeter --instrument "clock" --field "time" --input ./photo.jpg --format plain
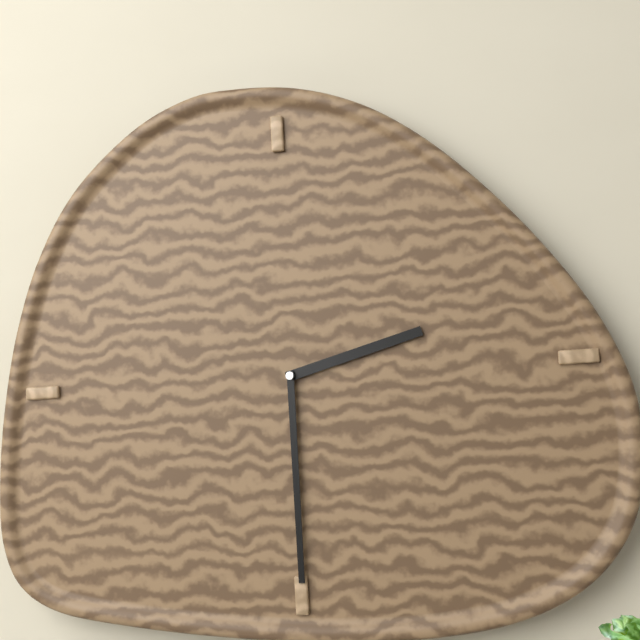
2:30
